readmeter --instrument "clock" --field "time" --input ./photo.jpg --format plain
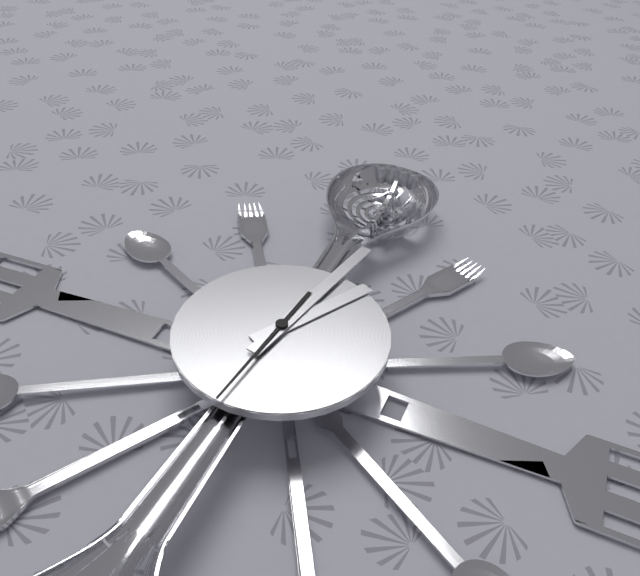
1:02:31
